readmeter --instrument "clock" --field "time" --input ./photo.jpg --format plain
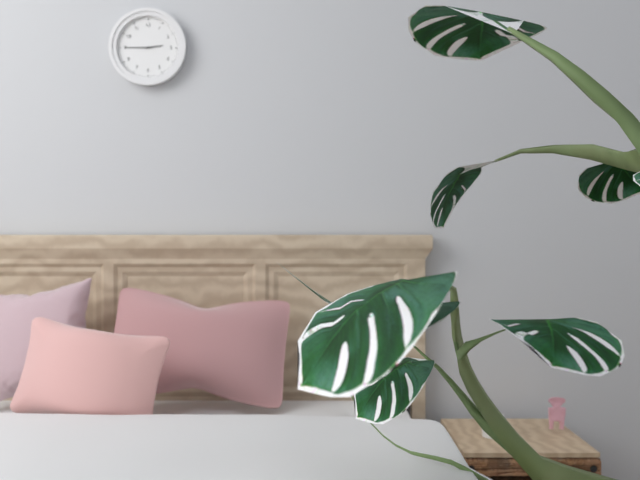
2:45
